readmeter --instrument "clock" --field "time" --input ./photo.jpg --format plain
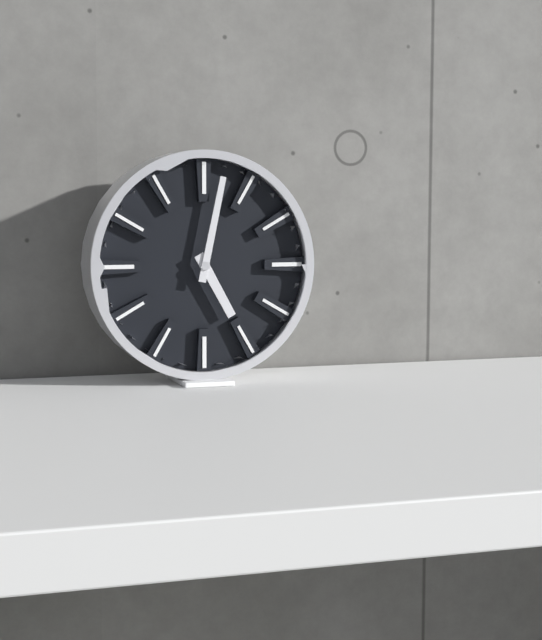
5:02
